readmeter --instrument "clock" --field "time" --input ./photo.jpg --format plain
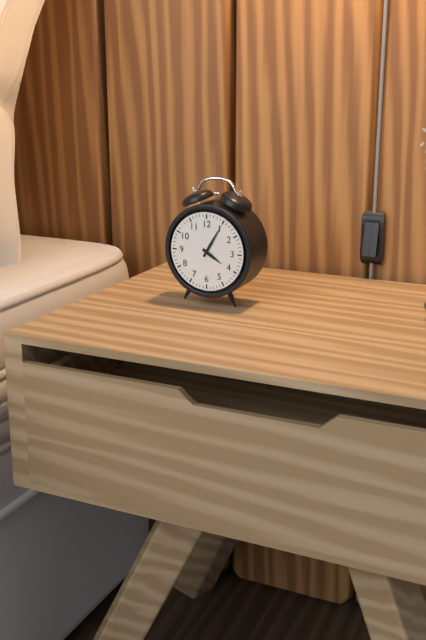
4:05
